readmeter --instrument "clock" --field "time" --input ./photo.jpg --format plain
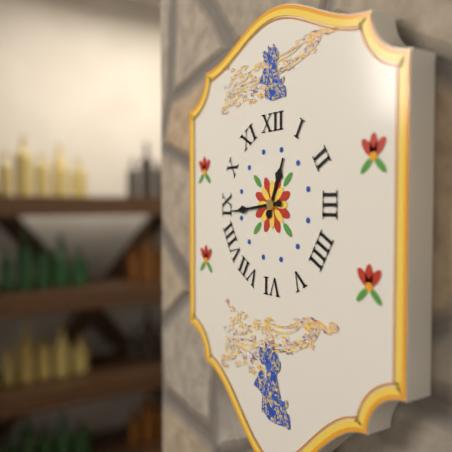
12:44
